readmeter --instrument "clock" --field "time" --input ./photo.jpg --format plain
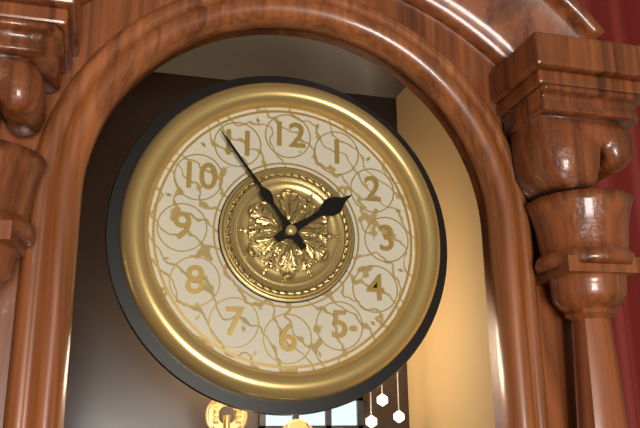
1:54
